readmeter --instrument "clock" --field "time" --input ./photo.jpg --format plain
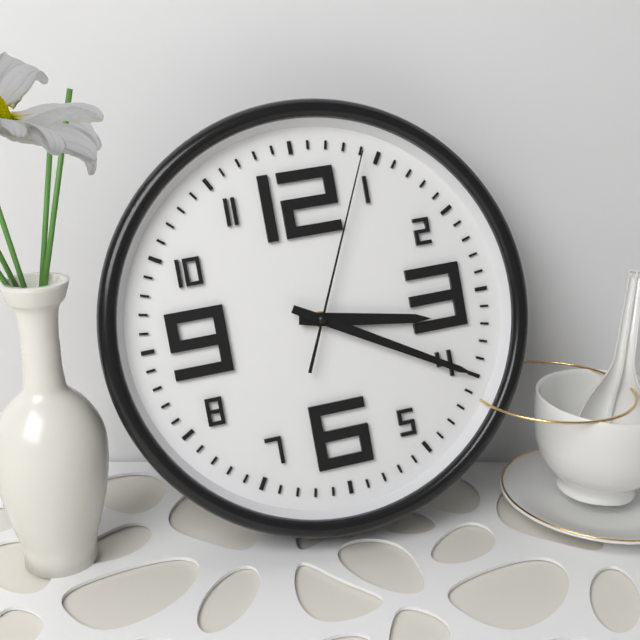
3:20:04
